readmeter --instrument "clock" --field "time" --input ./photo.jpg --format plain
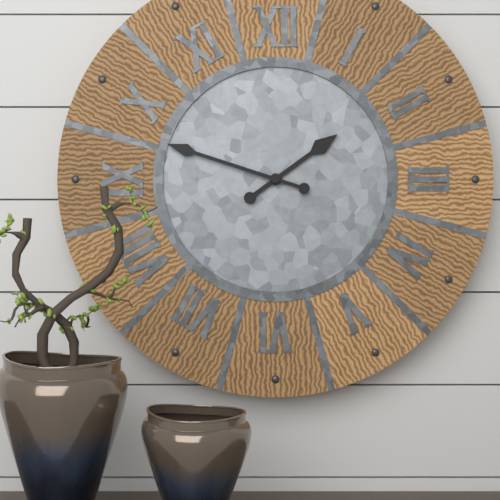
1:48
